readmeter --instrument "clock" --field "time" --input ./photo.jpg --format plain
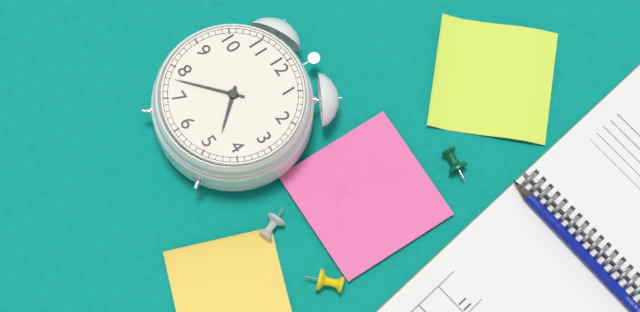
4:38
